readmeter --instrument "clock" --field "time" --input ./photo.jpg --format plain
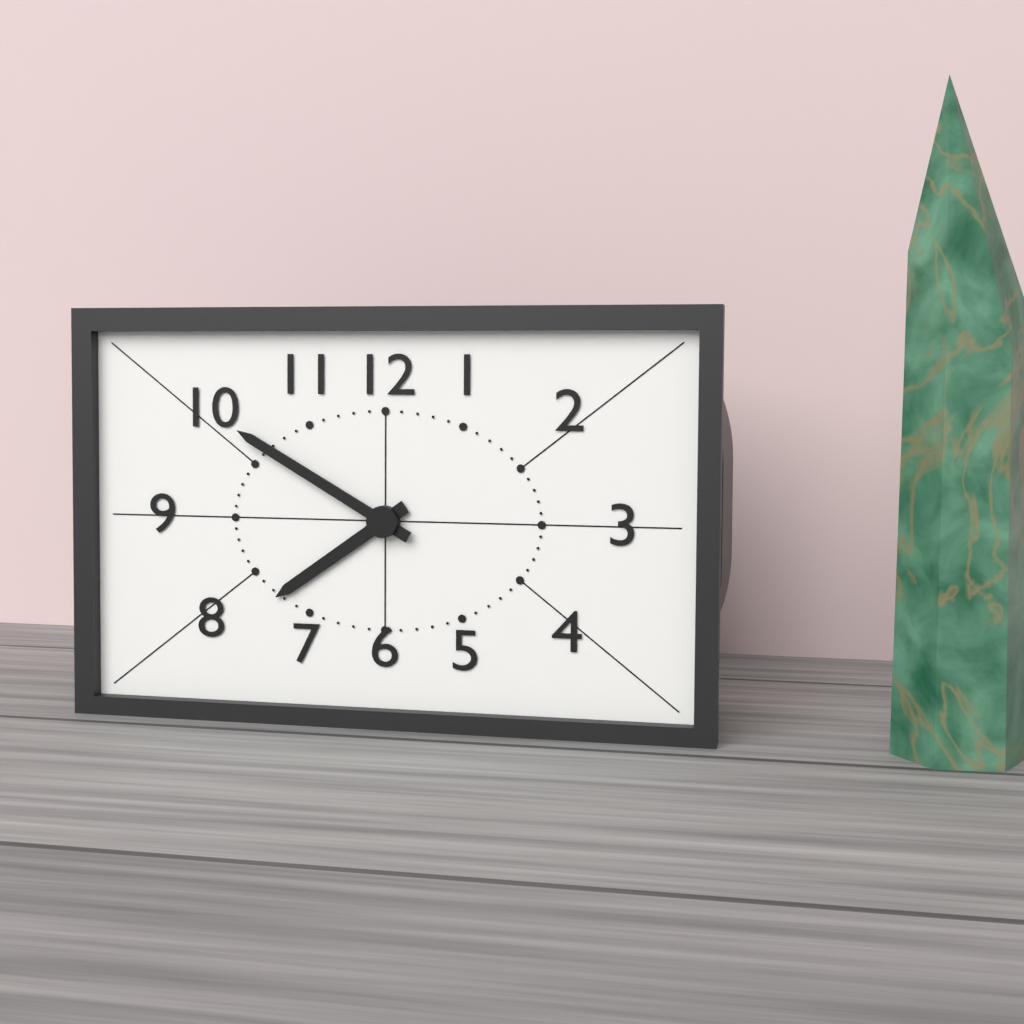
7:50
